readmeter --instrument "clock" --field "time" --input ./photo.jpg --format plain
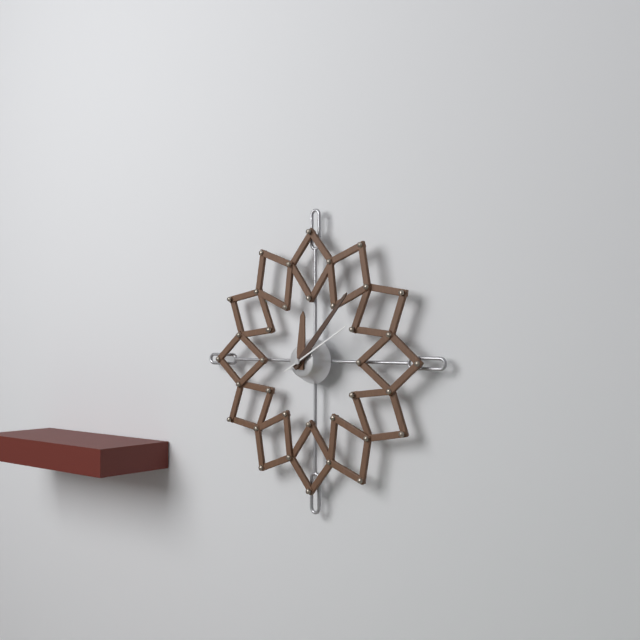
12:07:10
